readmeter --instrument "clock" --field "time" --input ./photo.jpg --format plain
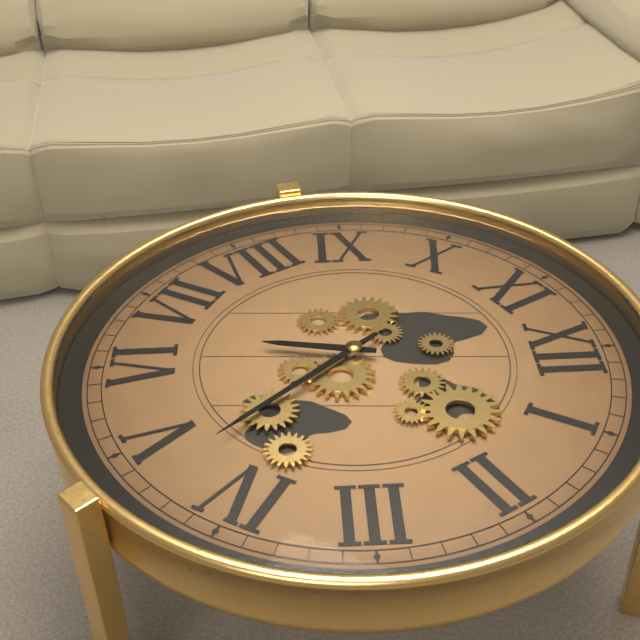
6:23
